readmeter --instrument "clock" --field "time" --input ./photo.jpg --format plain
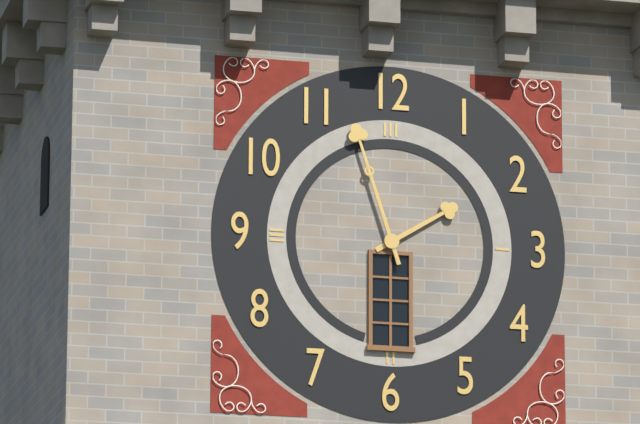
1:57
